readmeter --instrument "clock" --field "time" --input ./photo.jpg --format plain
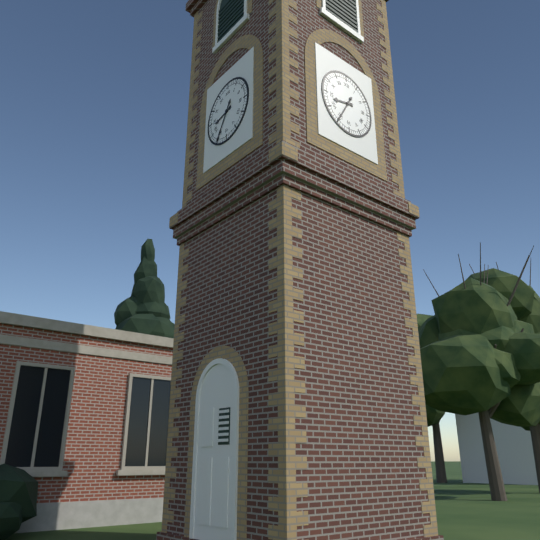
8:35
